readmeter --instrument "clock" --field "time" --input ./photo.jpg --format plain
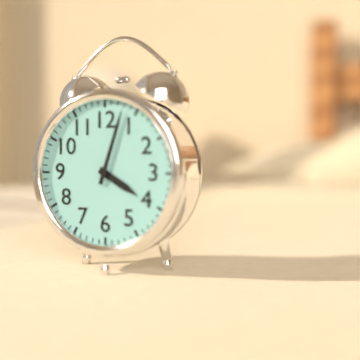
4:03
